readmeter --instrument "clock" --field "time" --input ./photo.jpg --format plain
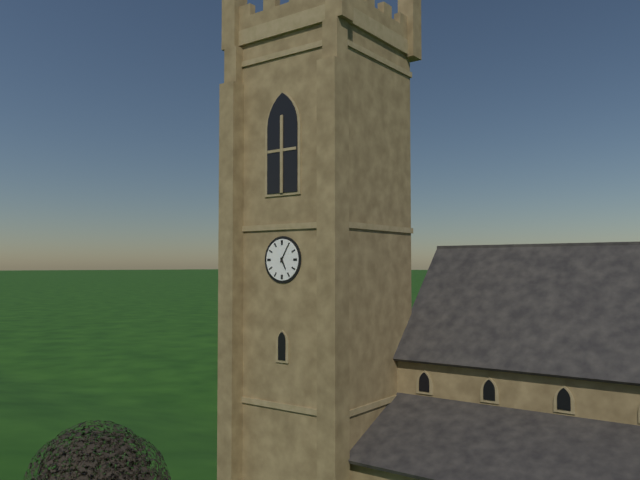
5:05
